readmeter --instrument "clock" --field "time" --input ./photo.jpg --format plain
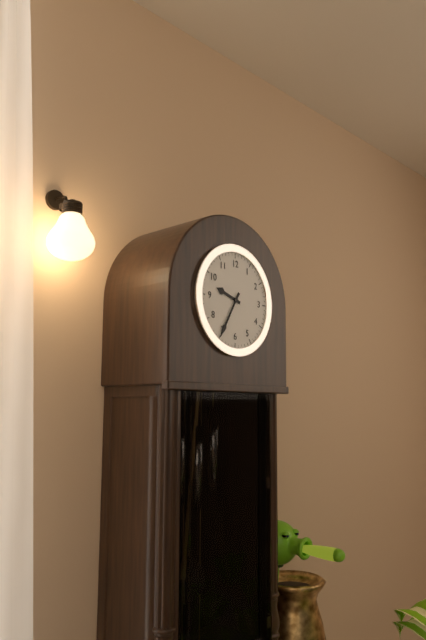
9:35
